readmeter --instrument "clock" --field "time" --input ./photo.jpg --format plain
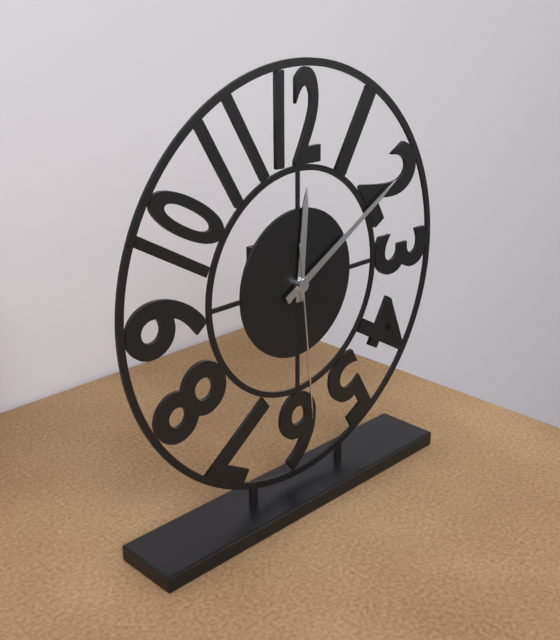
12:10:29
